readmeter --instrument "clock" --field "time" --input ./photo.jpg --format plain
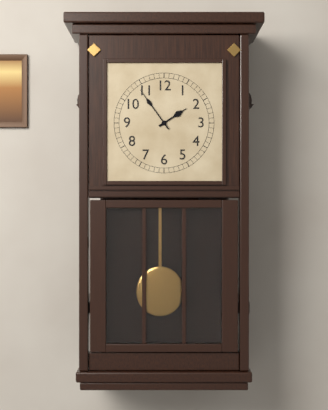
1:54
